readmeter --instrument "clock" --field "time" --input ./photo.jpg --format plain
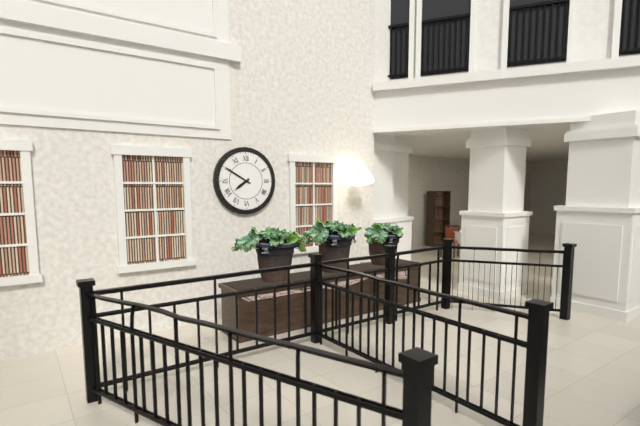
7:50
